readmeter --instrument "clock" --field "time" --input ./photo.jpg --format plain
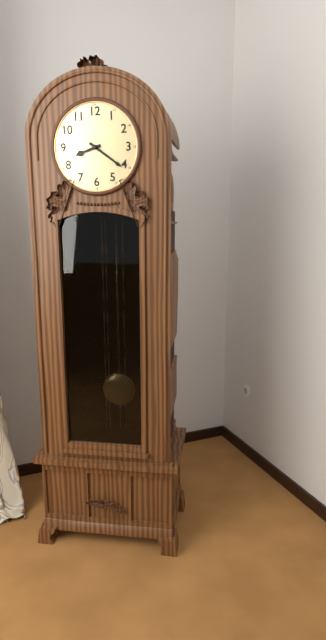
8:21
